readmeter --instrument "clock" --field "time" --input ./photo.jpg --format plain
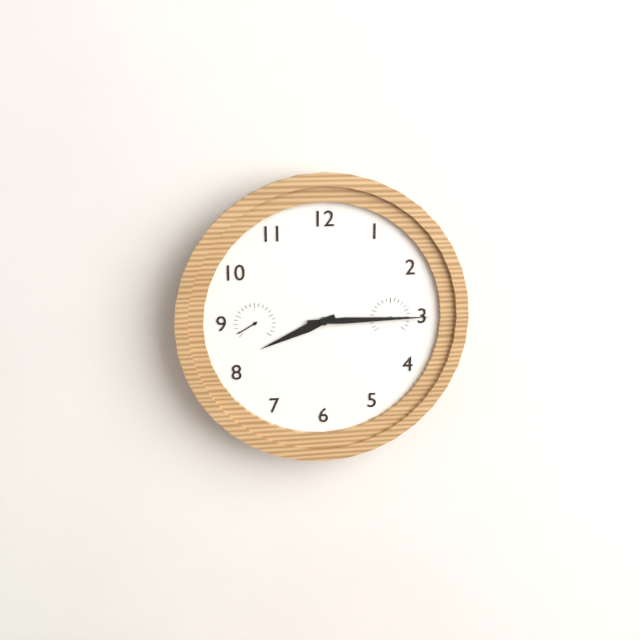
8:15
